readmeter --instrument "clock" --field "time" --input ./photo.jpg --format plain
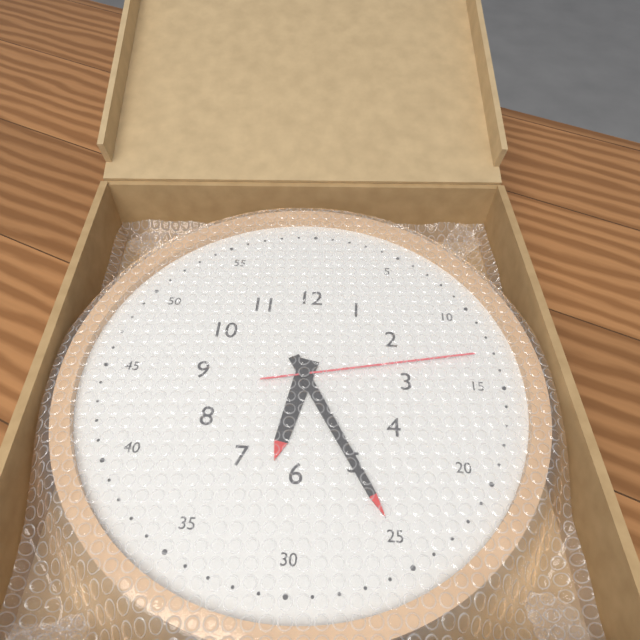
6:25:13
